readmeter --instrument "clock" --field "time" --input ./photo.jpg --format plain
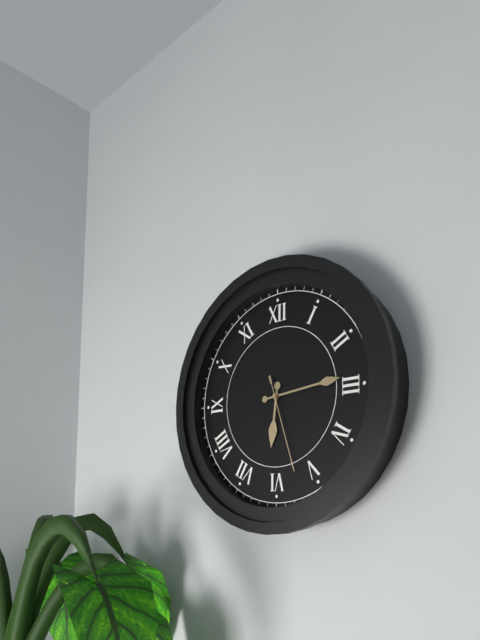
6:14:27
